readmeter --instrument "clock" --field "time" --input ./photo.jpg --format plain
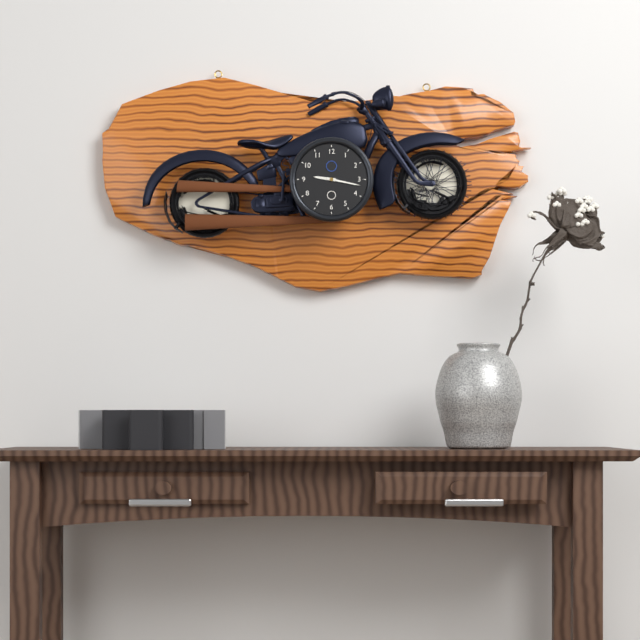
9:17
